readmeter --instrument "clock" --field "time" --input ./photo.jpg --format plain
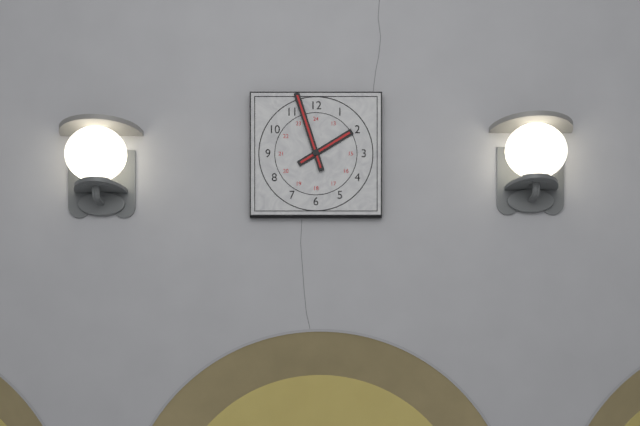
1:57
